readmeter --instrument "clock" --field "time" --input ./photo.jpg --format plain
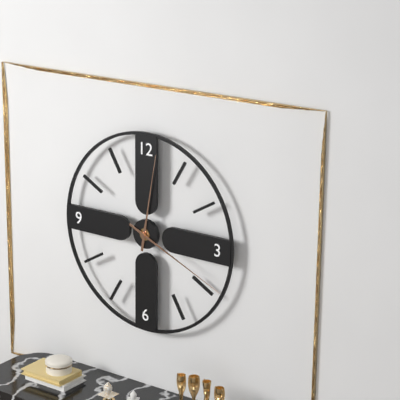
12:19
